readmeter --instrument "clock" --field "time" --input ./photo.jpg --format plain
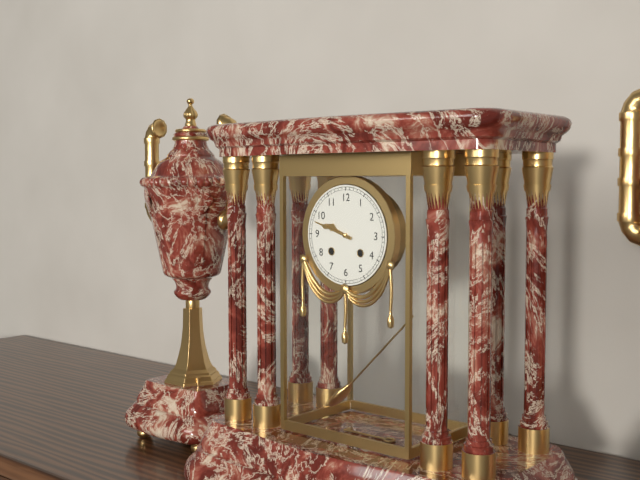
9:48
